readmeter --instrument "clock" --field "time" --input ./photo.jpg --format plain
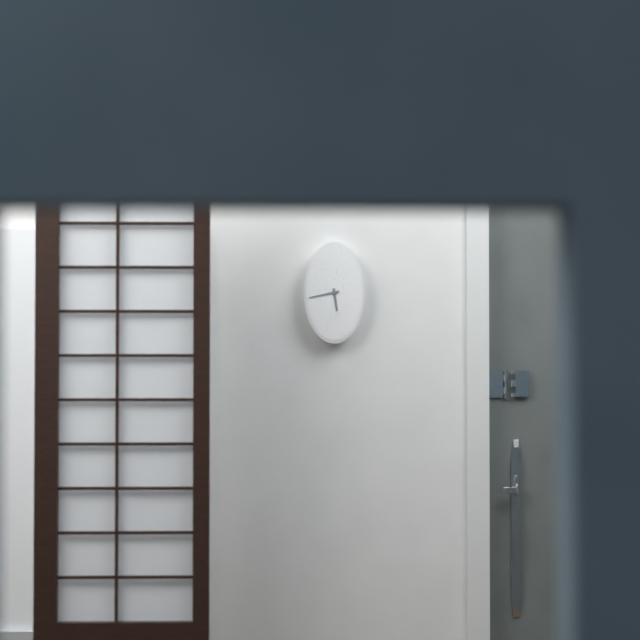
5:43
